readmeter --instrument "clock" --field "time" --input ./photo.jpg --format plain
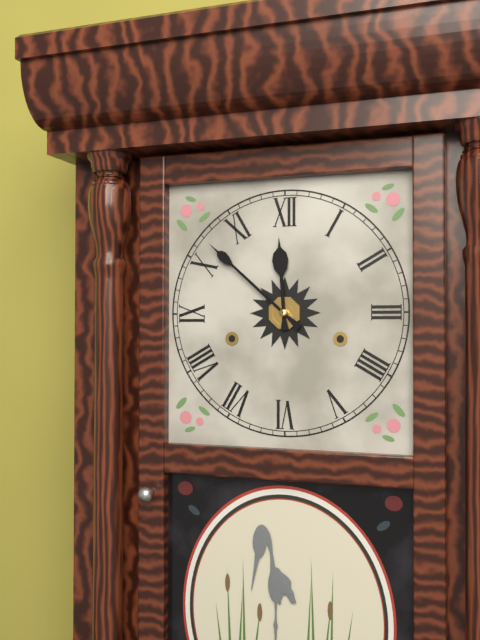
11:52
